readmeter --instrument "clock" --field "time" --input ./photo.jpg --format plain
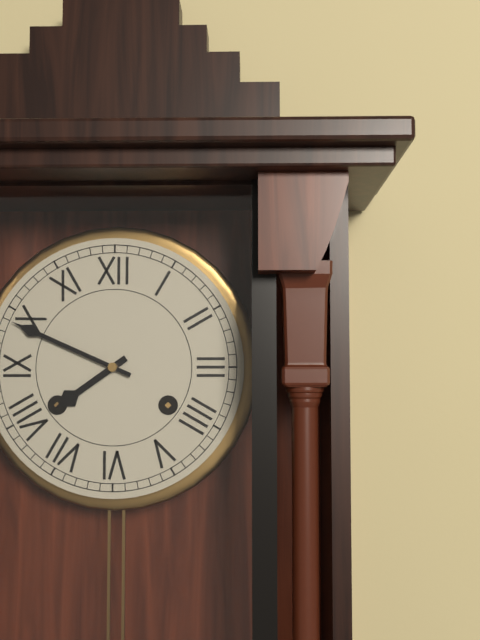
7:49
